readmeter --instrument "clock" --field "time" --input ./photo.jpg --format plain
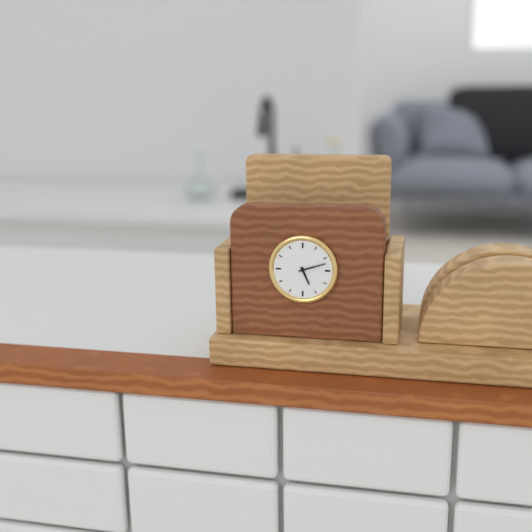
5:12
